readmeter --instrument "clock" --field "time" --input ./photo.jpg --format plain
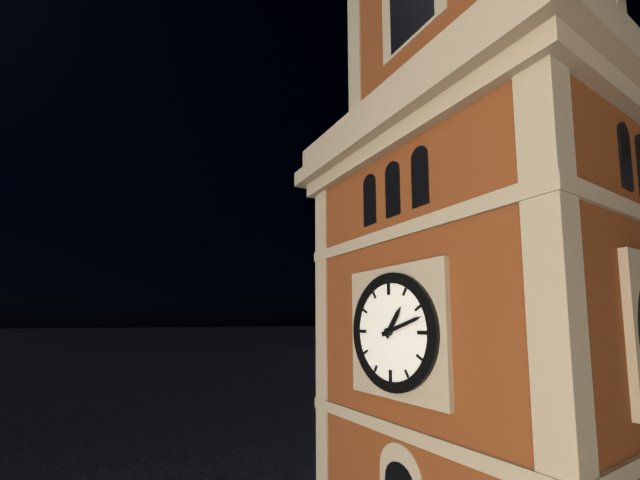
1:12
